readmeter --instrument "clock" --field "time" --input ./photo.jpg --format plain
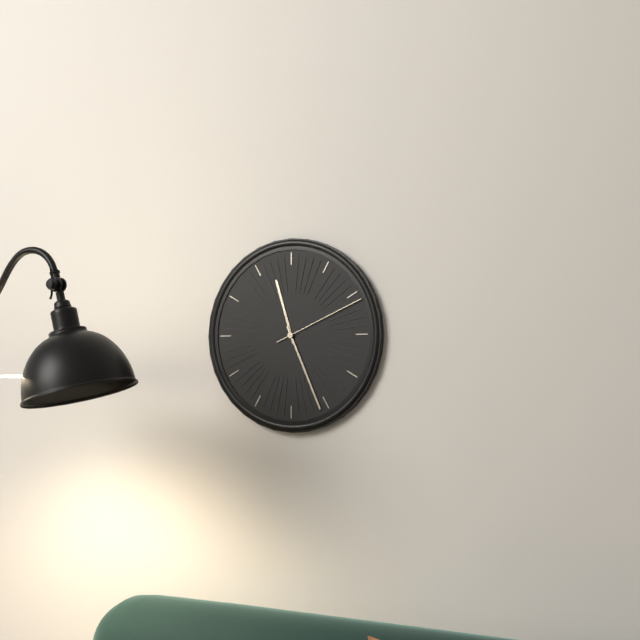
11:26:11
